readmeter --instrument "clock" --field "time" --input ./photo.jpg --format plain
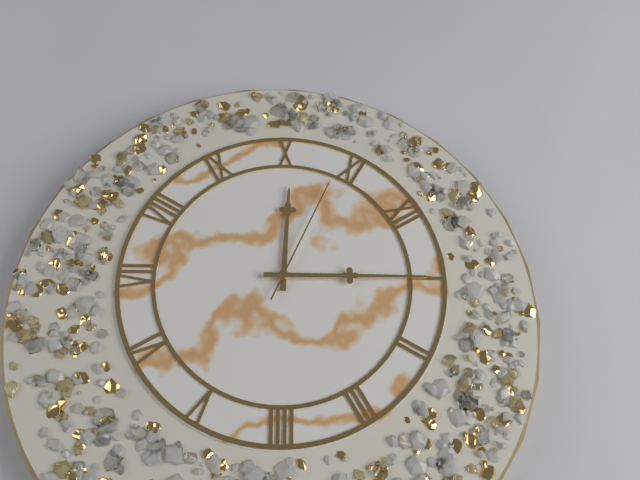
10:05:54
